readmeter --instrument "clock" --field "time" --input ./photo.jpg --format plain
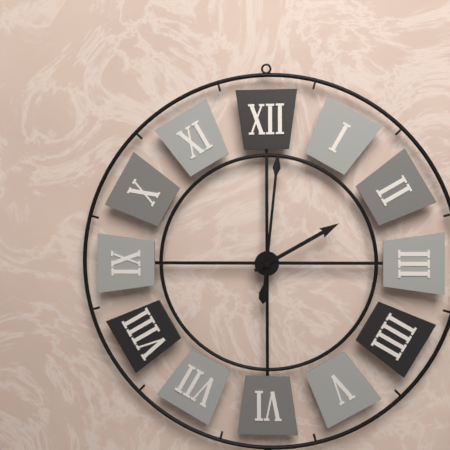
2:01
